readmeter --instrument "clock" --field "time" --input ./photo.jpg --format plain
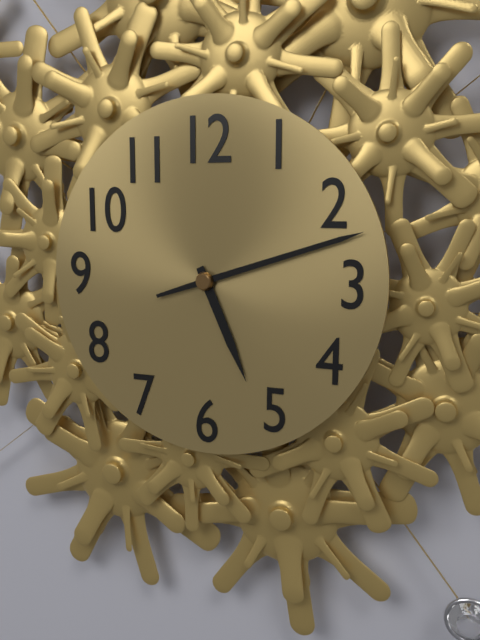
5:12
